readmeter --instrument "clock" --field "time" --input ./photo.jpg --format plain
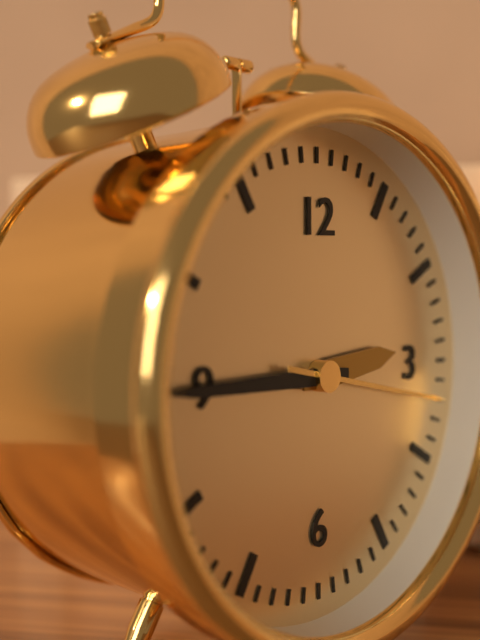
2:45:17
